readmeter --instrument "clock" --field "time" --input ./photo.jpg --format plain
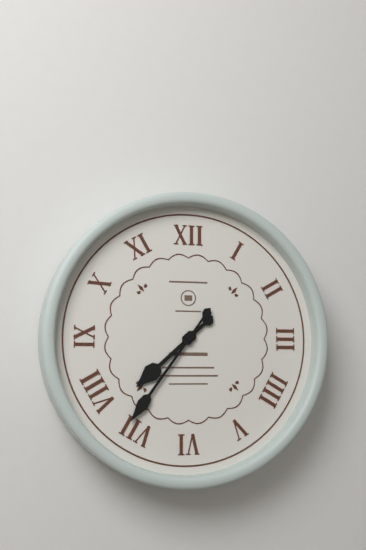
7:36
